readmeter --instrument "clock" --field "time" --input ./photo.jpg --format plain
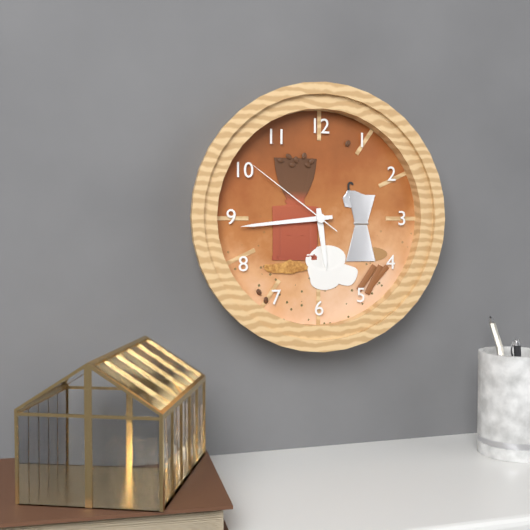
5:44:51
